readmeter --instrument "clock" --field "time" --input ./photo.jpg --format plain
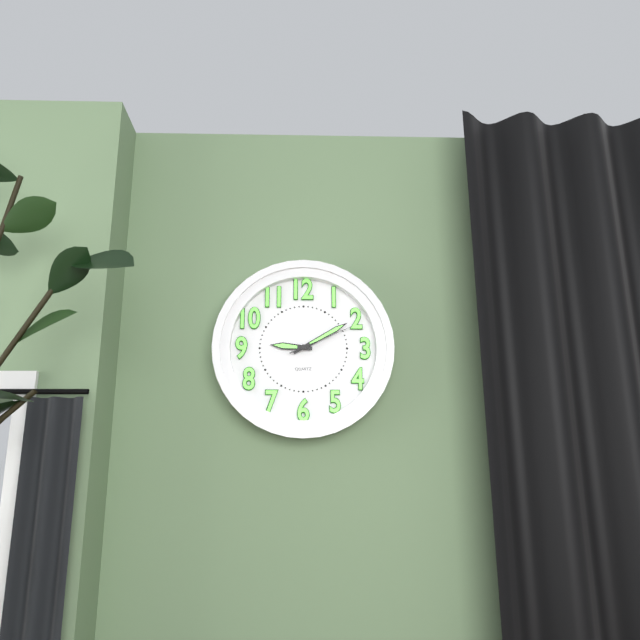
9:10:11
